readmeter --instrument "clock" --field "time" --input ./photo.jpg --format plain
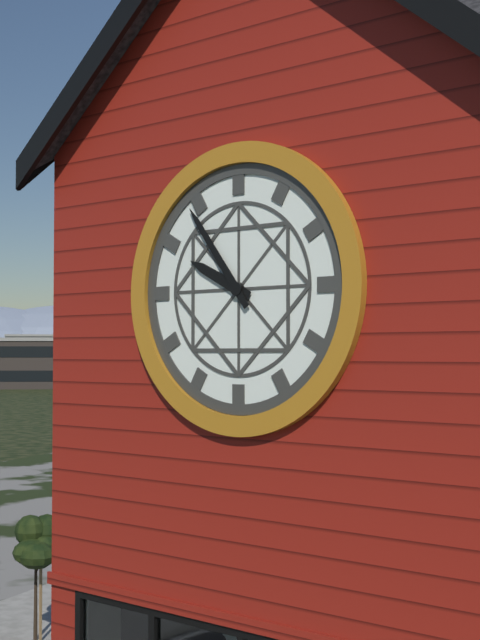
9:54
